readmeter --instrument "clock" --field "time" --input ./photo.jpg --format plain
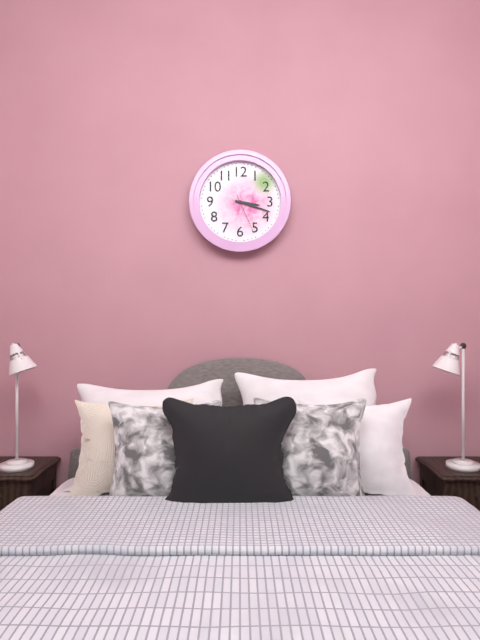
3:18
